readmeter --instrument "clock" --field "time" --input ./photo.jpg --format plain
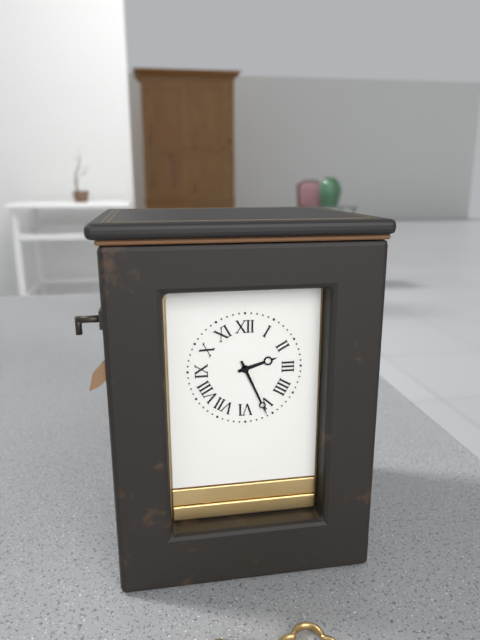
2:26
